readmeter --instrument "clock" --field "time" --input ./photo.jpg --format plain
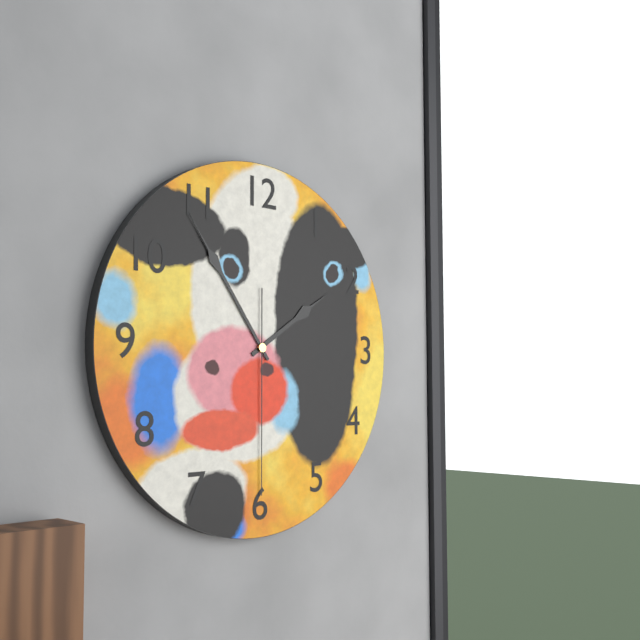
1:54:30
